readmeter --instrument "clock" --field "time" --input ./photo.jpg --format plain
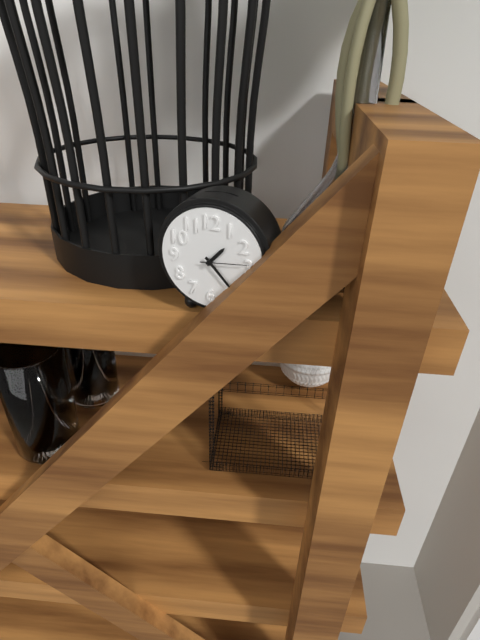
1:23
